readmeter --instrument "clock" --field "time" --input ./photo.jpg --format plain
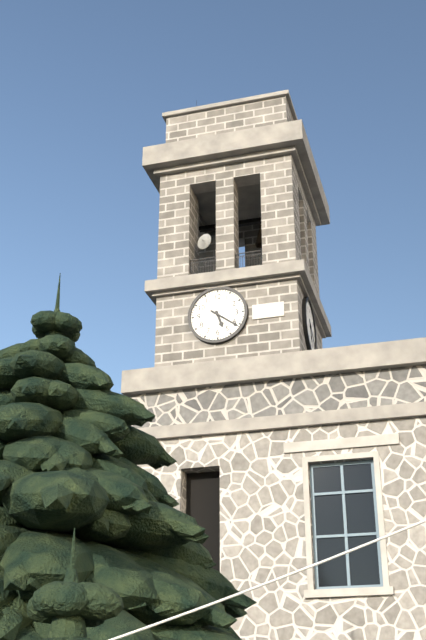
5:21
